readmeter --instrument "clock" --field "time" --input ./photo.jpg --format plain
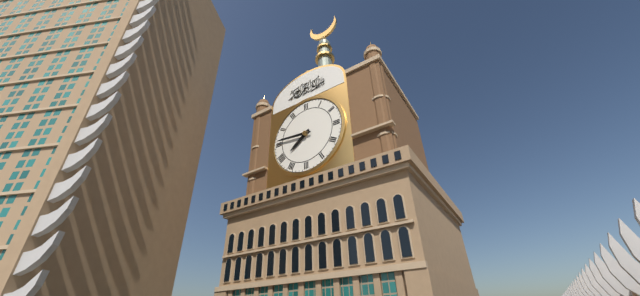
7:46
